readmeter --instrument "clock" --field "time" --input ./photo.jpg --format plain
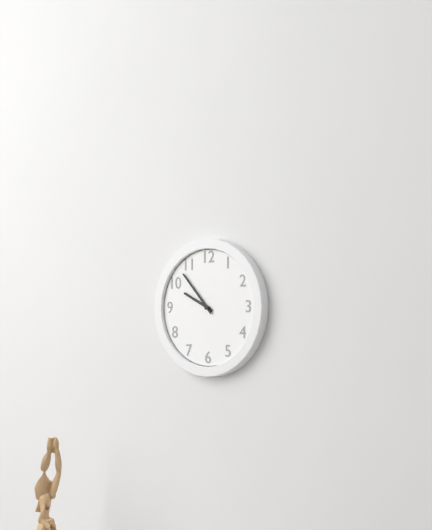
9:53
